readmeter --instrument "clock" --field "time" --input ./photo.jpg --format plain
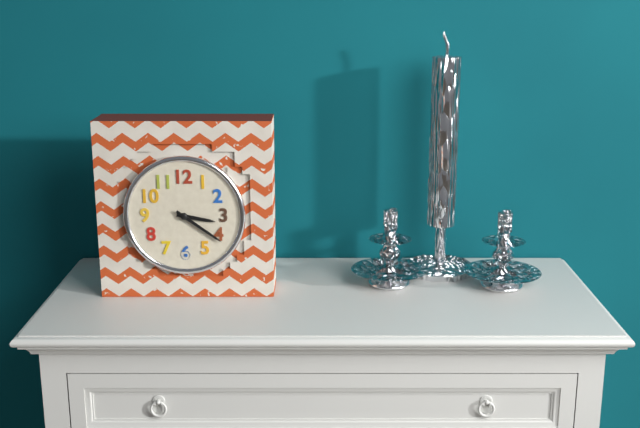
3:21
